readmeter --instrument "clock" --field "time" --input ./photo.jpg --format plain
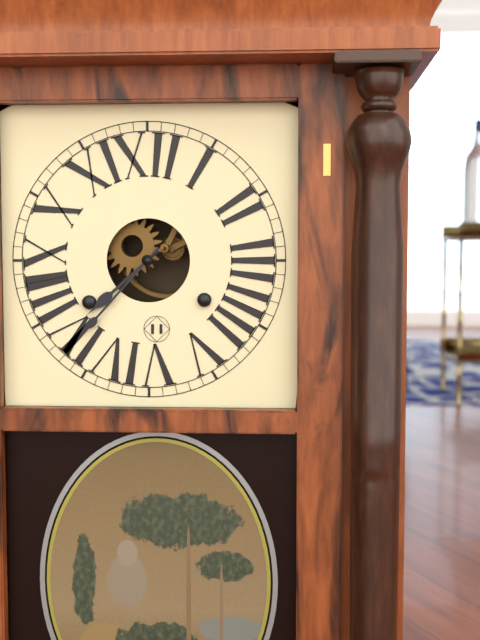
7:37
